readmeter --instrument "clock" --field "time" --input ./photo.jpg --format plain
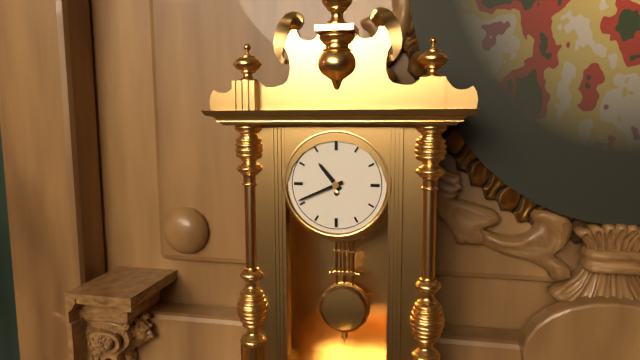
10:41
